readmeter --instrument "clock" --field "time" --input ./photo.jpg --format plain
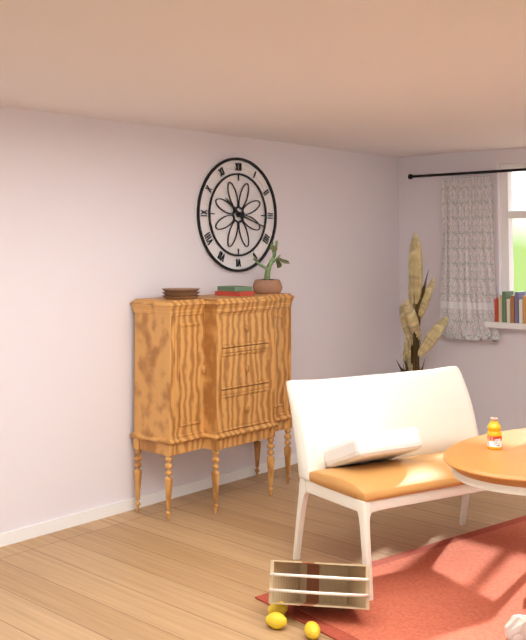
10:18
